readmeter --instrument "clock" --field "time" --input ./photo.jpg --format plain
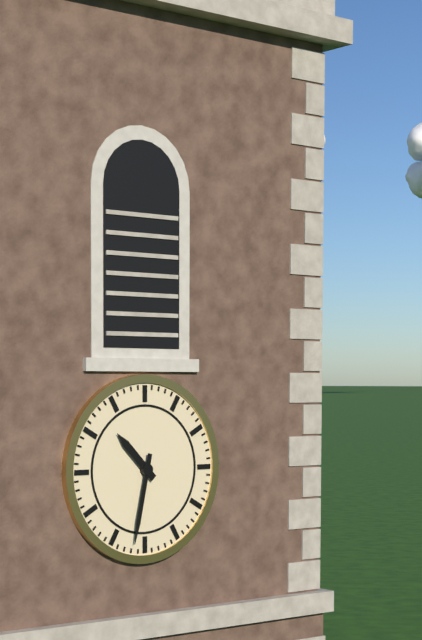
10:32
